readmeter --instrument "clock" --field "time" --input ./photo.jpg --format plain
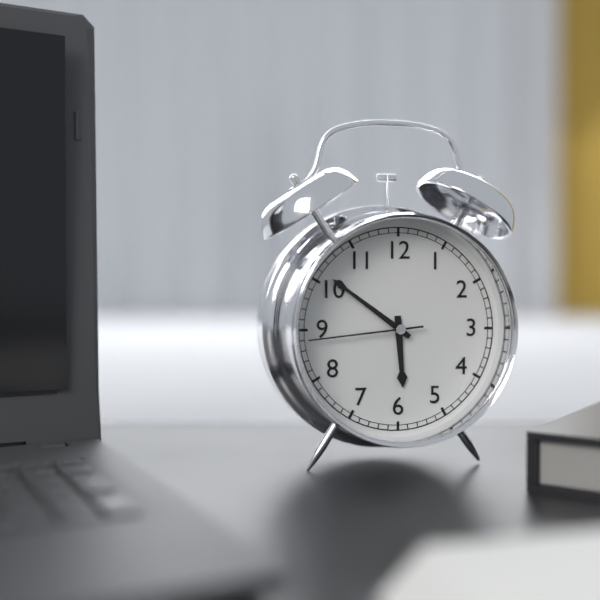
5:51:44
